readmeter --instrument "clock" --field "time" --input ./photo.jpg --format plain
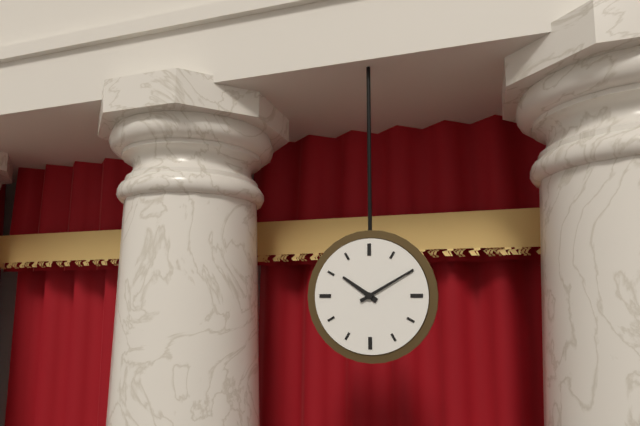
10:10
